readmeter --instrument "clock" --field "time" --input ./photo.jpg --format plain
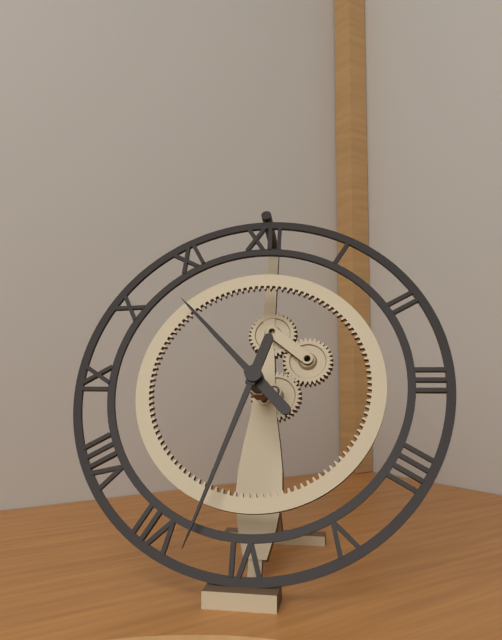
10:33
